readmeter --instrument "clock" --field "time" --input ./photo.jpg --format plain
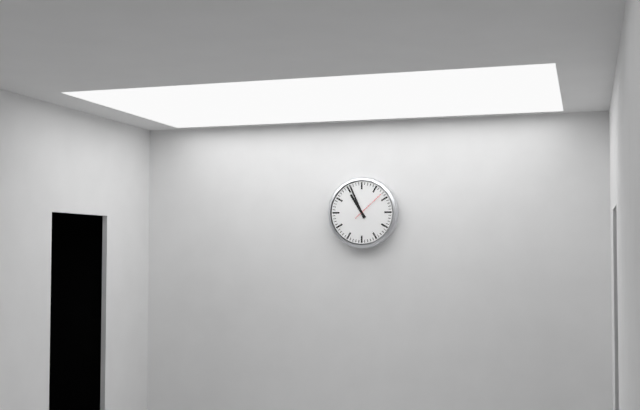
10:56
